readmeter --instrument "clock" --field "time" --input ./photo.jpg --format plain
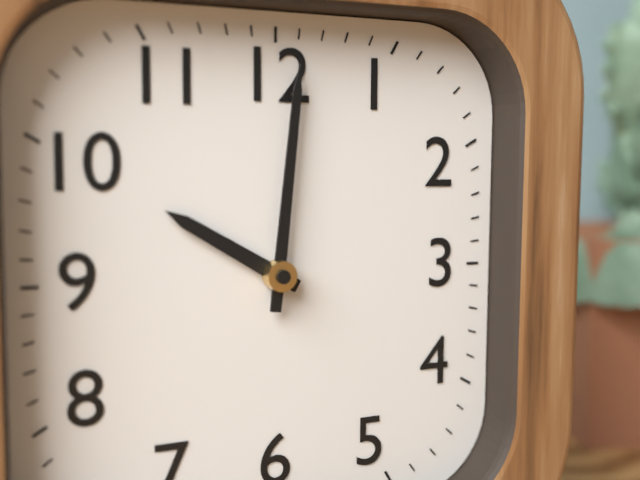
10:01
